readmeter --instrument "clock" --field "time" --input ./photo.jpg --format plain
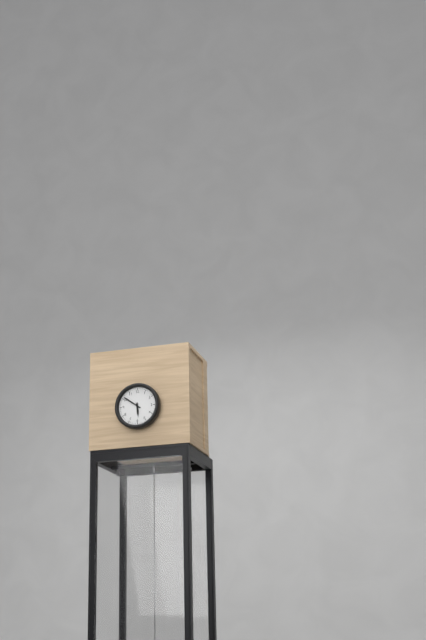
5:51
